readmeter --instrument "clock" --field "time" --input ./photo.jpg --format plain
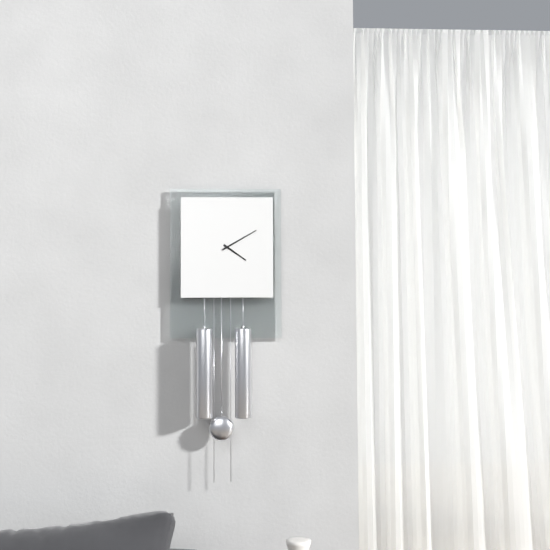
4:10
